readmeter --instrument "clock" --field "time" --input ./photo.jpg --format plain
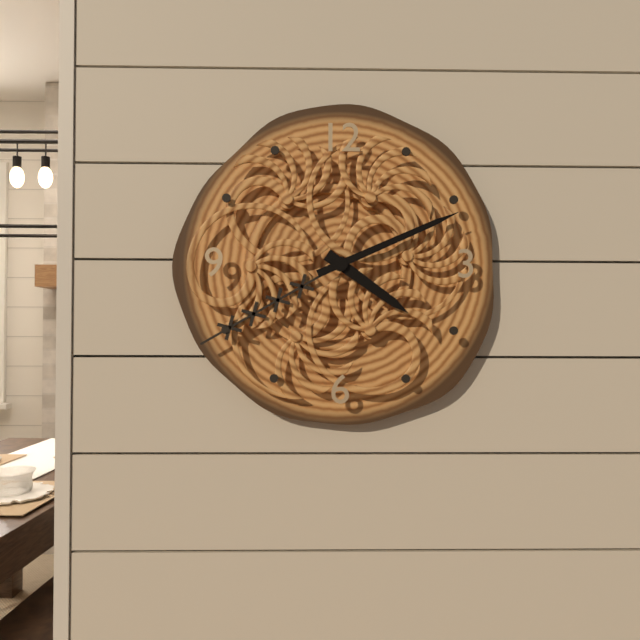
4:11
